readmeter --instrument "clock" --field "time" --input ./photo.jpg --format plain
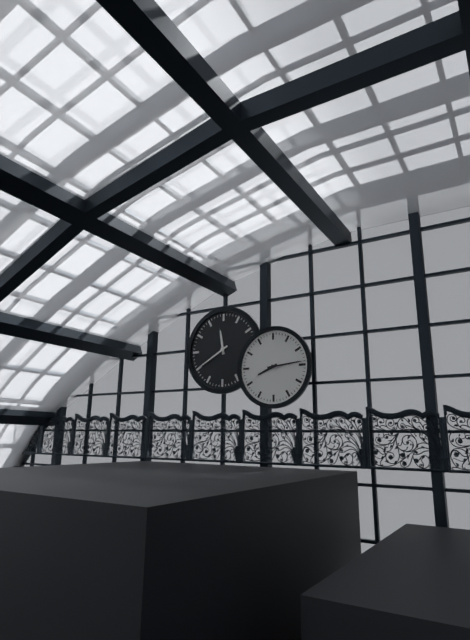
8:14
